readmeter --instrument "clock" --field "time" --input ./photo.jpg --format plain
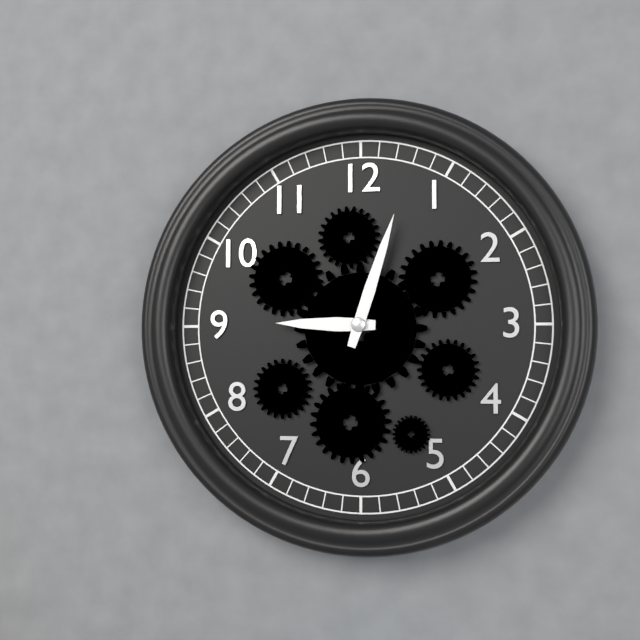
9:03
